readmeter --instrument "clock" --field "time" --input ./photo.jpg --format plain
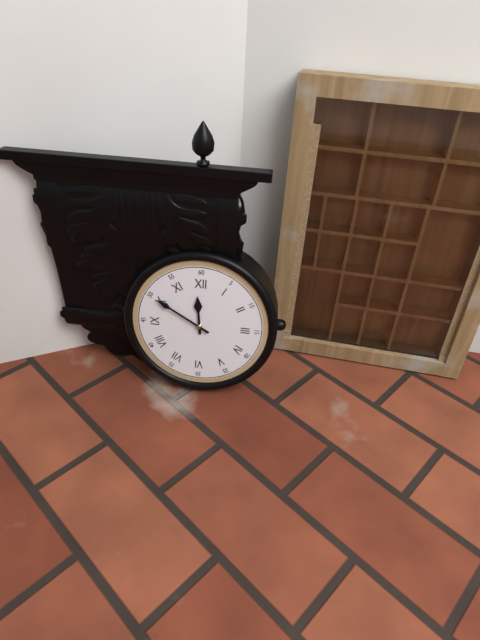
11:50
